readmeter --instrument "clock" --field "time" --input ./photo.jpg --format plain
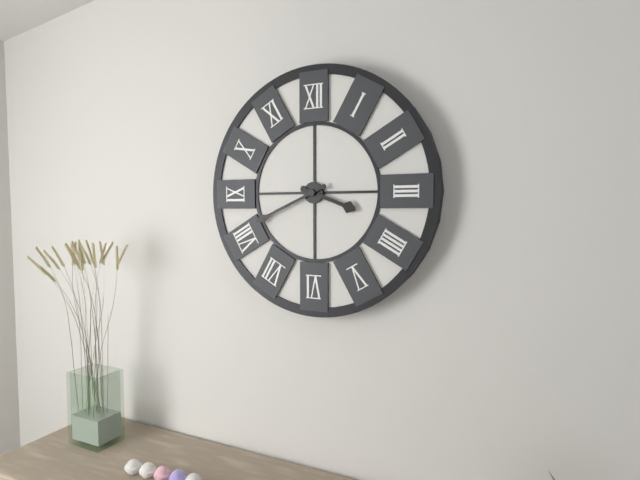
3:41
